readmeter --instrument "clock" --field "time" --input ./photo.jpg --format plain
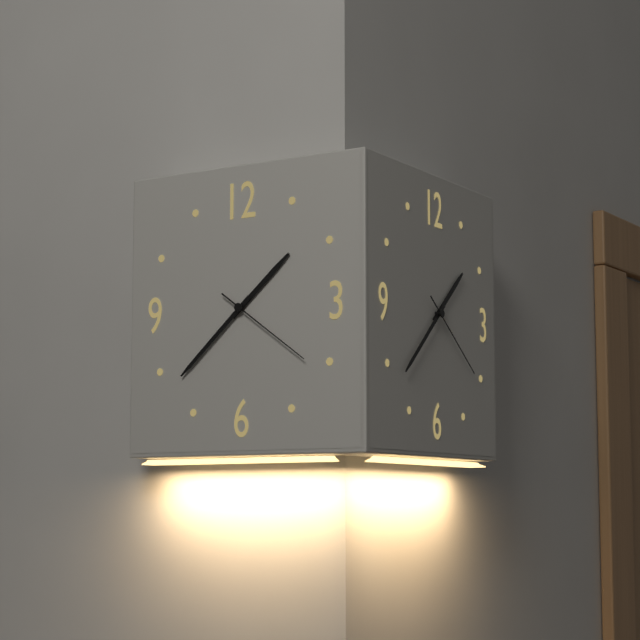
1:38:21
